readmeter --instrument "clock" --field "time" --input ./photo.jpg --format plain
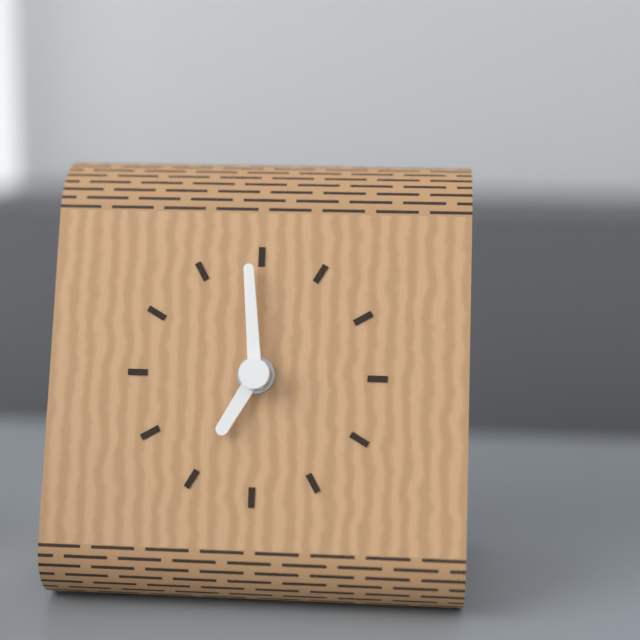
6:59
